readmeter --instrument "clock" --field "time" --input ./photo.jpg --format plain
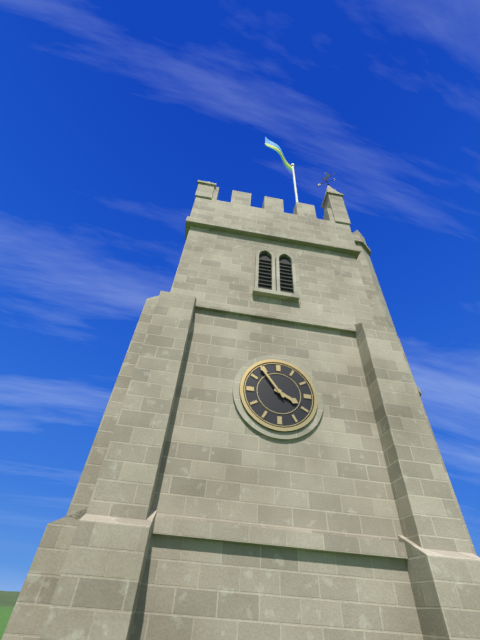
3:54
